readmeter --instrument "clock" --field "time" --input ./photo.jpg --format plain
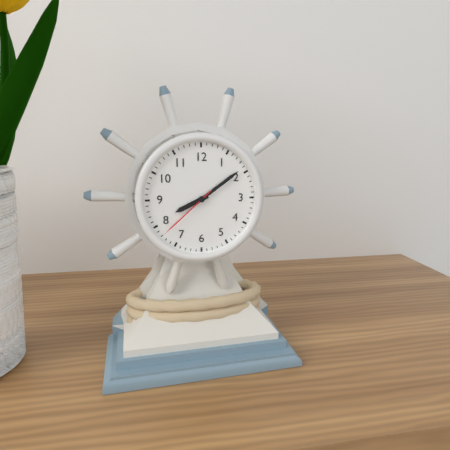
8:09:38
